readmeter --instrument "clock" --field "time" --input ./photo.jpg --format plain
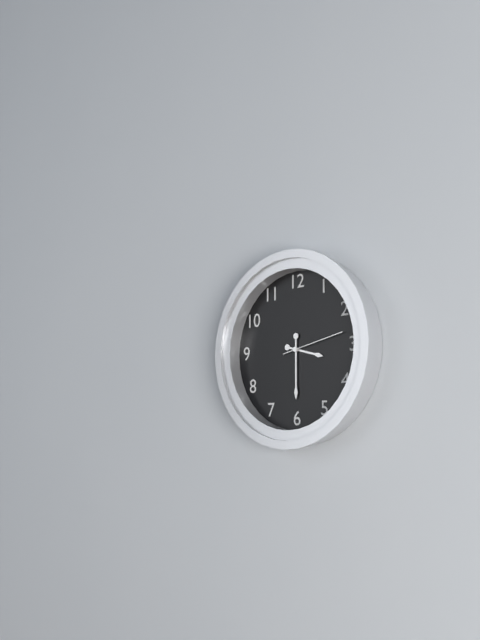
3:30:13
